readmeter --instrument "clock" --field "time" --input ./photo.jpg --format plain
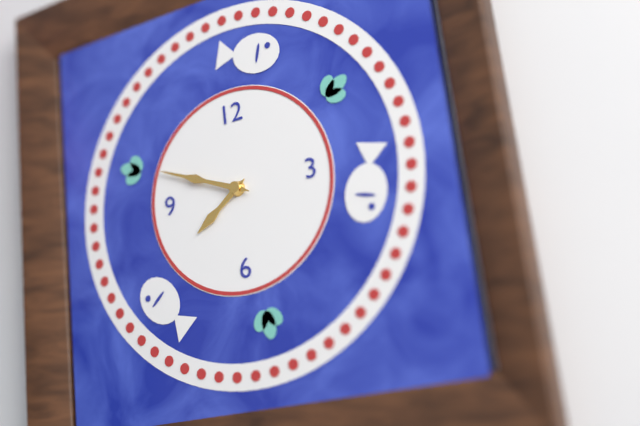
7:49
